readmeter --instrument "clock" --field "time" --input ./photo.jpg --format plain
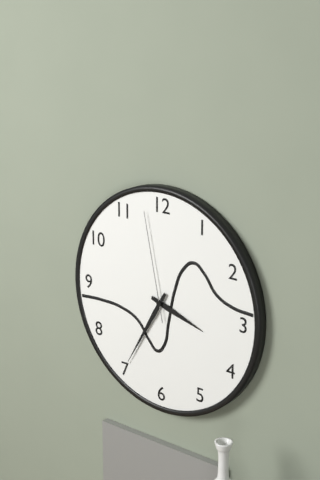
3:35:58
